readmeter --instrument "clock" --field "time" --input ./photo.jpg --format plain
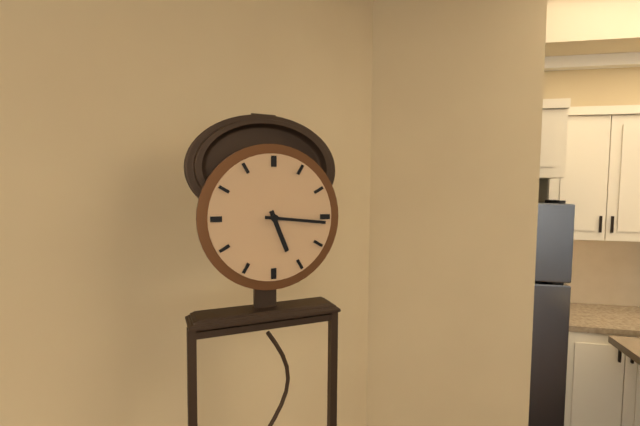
5:16
